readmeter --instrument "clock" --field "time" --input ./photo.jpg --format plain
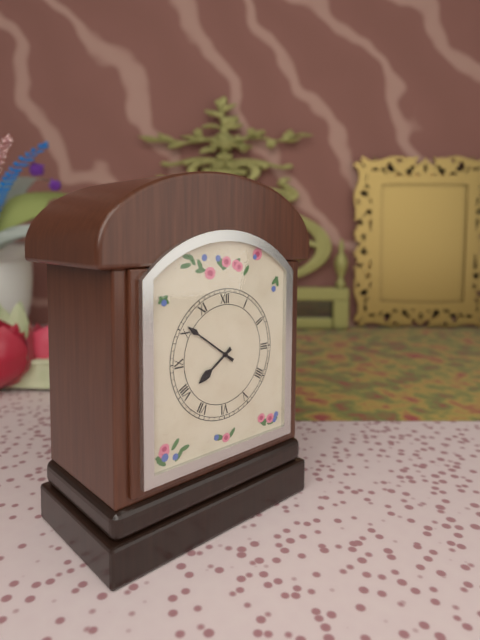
7:51
